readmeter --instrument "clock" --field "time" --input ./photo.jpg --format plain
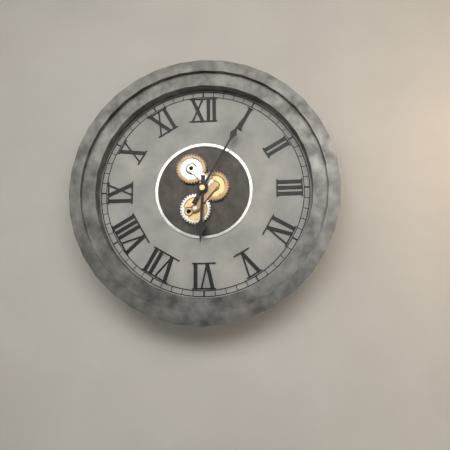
6:05
